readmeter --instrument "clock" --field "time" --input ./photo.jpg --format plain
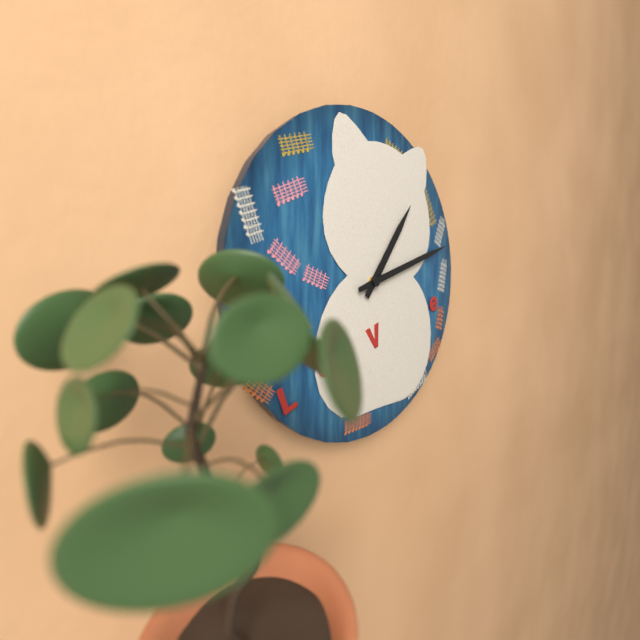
1:12
